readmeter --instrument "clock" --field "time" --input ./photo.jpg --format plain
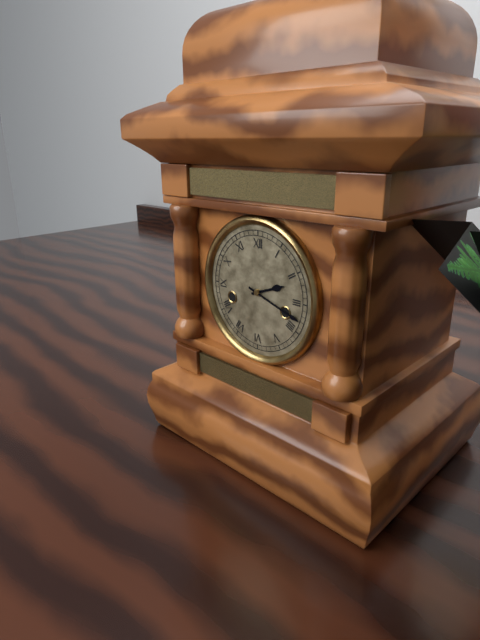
2:18
